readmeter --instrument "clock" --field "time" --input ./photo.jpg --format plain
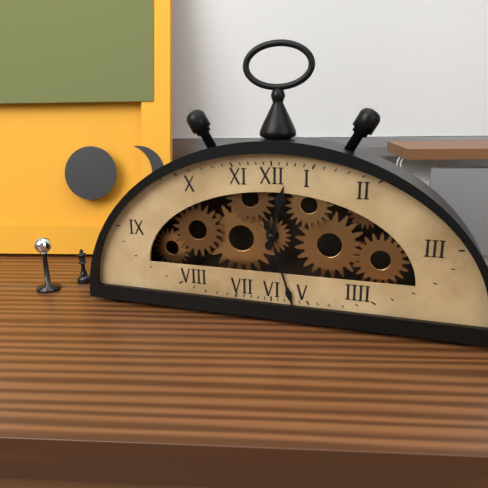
12:27
